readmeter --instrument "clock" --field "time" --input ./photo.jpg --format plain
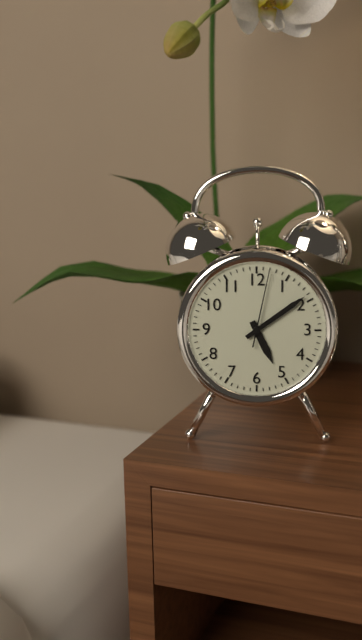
5:09:02
